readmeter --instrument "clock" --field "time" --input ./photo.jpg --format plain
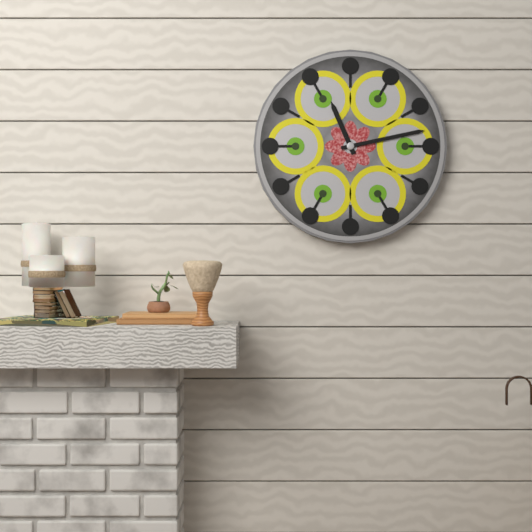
11:13
